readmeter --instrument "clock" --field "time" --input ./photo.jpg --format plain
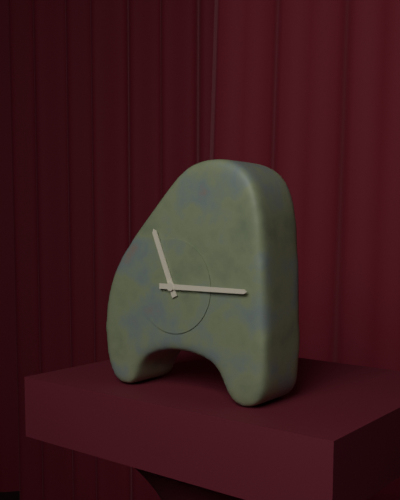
11:15
